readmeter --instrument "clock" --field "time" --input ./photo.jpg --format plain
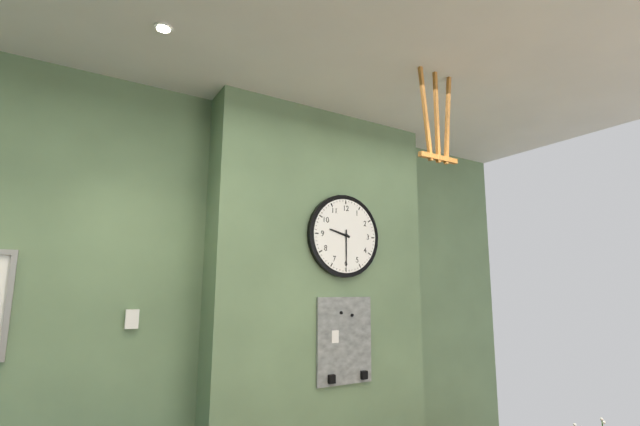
9:30
